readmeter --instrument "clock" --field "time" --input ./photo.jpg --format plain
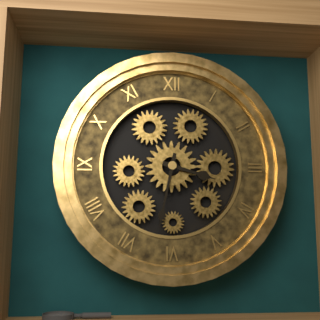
3:32
